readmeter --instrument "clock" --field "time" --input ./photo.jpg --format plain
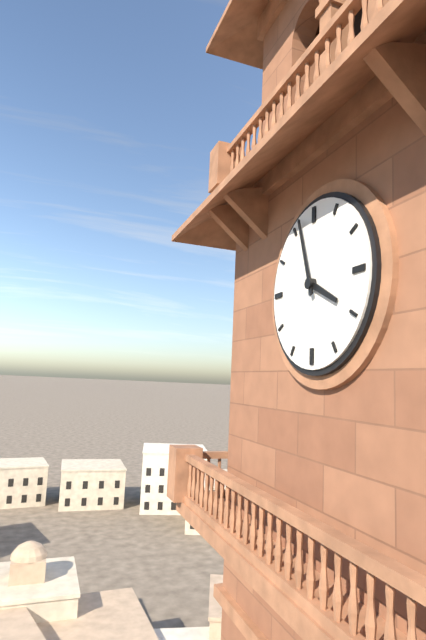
3:57
